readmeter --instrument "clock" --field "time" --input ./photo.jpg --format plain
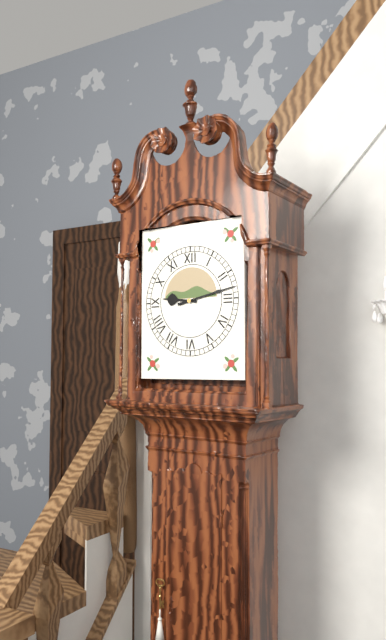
9:13
